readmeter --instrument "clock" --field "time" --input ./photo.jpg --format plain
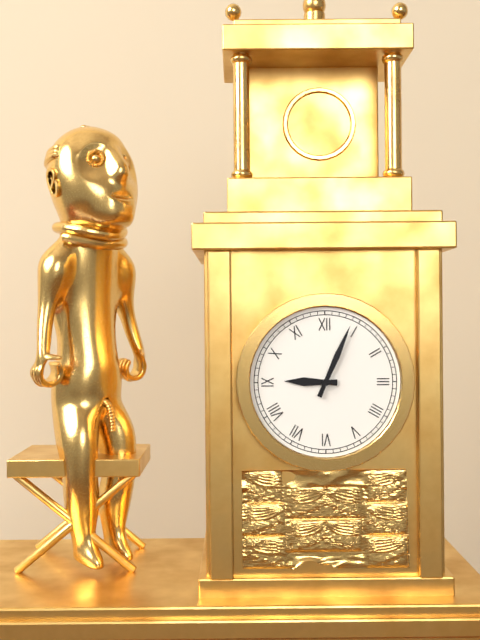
9:04
